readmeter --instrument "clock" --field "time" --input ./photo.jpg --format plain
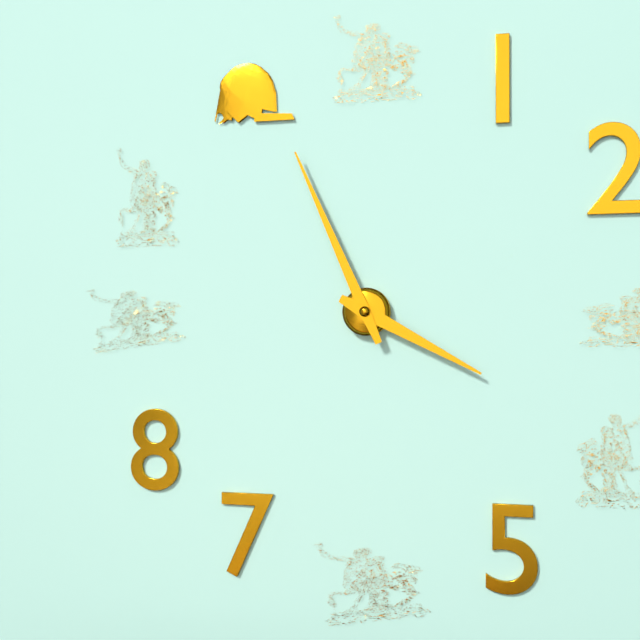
3:56
